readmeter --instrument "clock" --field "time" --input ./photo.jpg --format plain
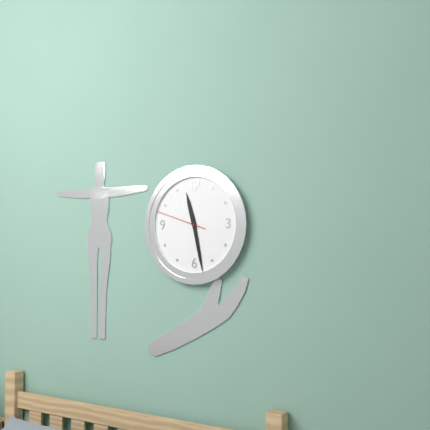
11:28:48
